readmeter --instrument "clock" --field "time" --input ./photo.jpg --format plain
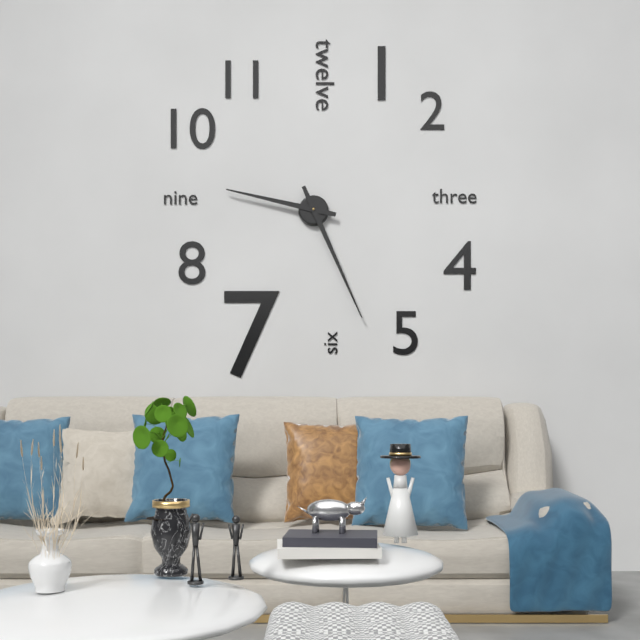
9:26
